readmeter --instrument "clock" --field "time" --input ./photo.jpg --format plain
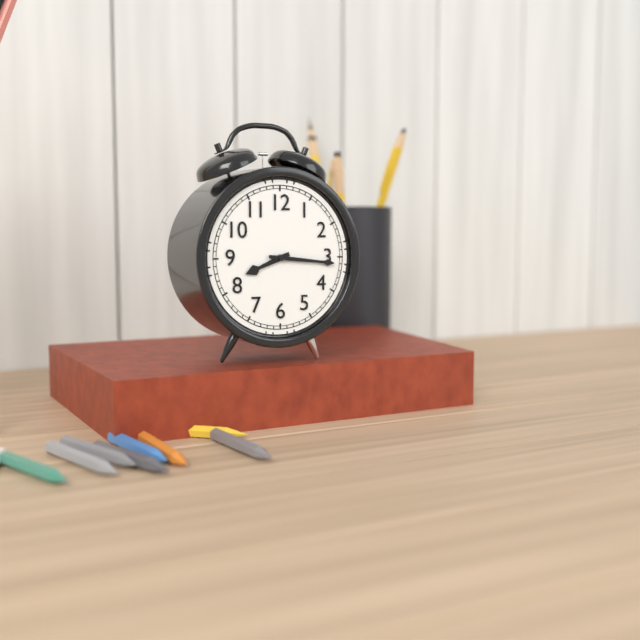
8:16
